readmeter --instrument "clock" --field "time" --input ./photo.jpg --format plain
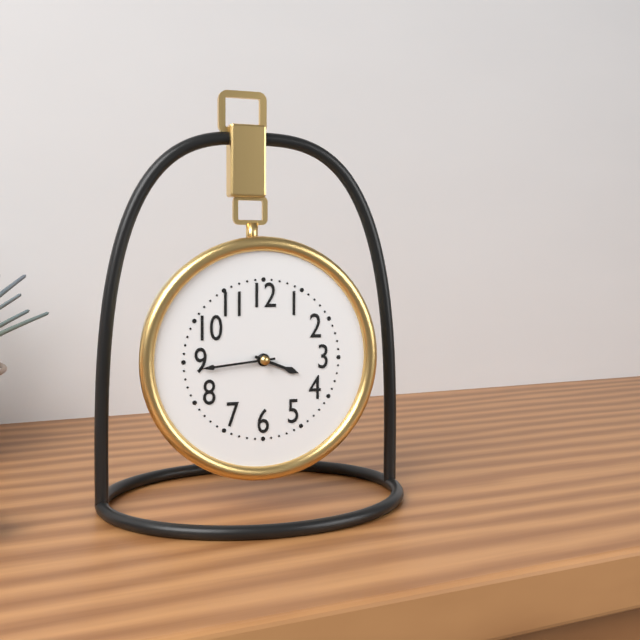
3:44
